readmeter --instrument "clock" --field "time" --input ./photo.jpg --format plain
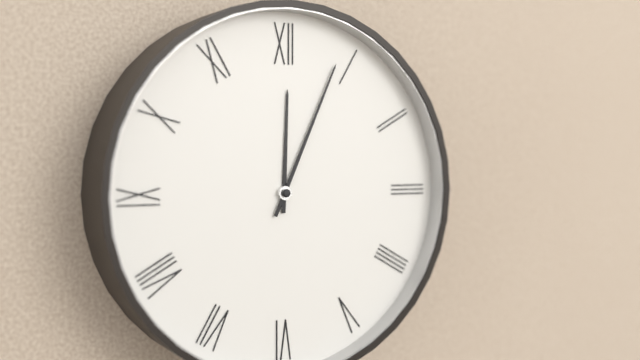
12:04
